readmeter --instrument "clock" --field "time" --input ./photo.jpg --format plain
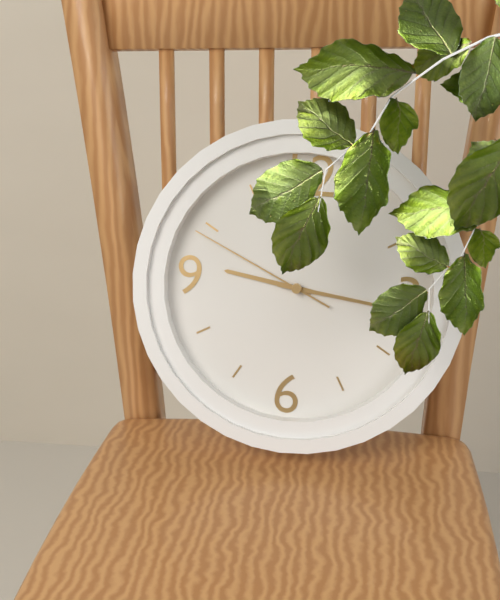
9:16:49
